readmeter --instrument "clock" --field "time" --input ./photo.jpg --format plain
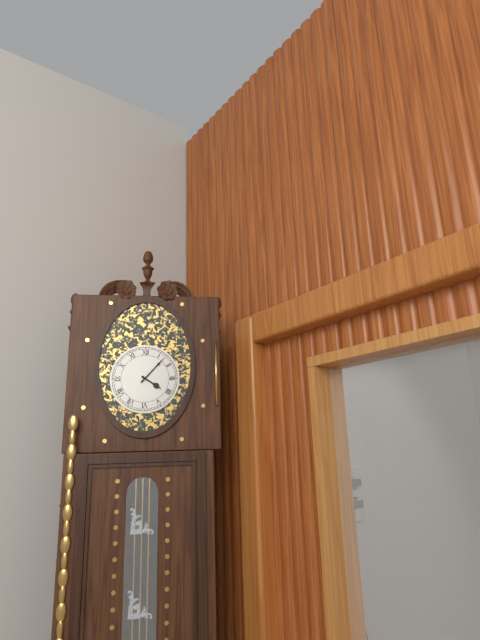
4:07
